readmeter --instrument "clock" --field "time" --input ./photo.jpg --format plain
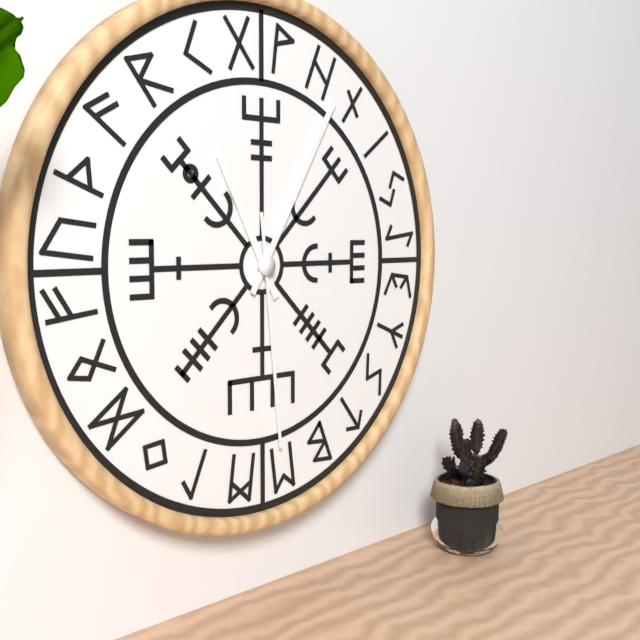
11:05:29
